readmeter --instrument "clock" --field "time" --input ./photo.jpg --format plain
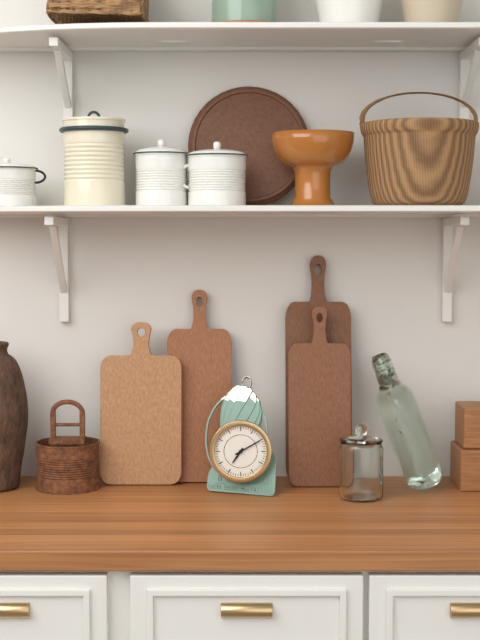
7:10
